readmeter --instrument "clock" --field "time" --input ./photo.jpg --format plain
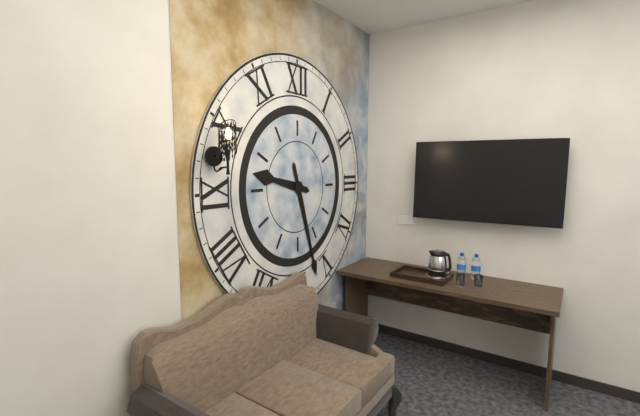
9:27
